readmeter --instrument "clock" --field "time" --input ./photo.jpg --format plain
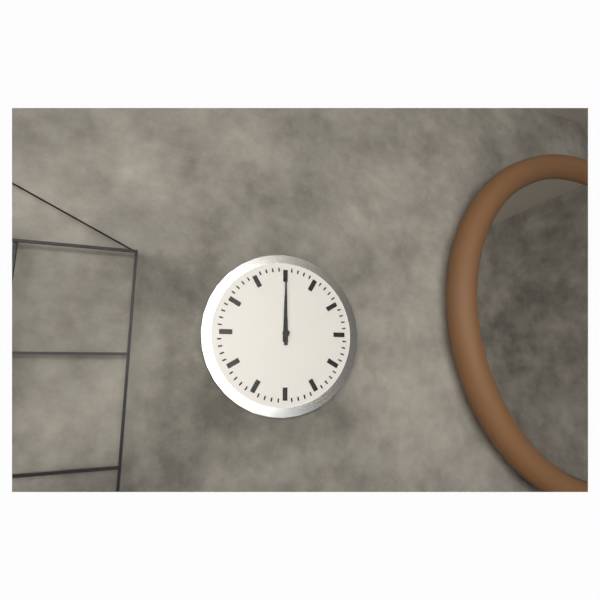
12:00
